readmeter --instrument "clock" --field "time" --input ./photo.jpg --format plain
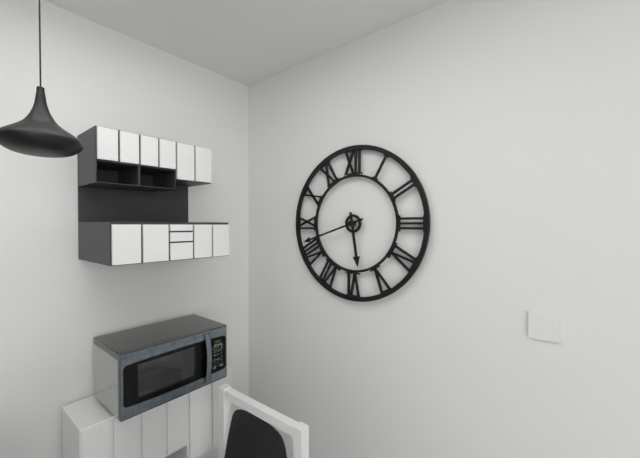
5:42
